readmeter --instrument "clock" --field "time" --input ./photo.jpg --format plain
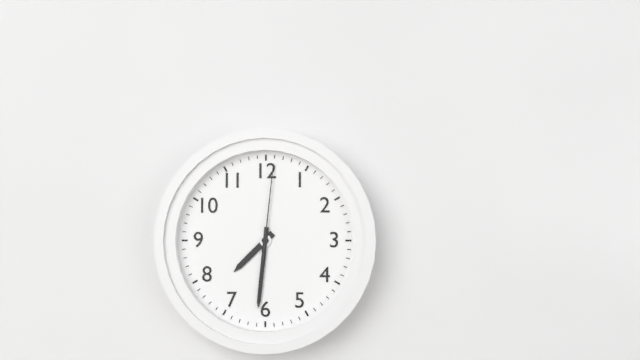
7:31:01
